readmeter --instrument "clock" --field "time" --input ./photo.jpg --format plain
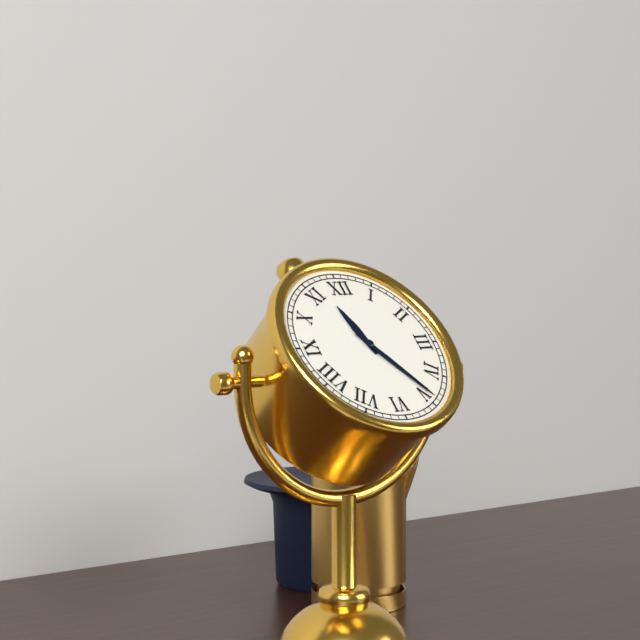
11:24
